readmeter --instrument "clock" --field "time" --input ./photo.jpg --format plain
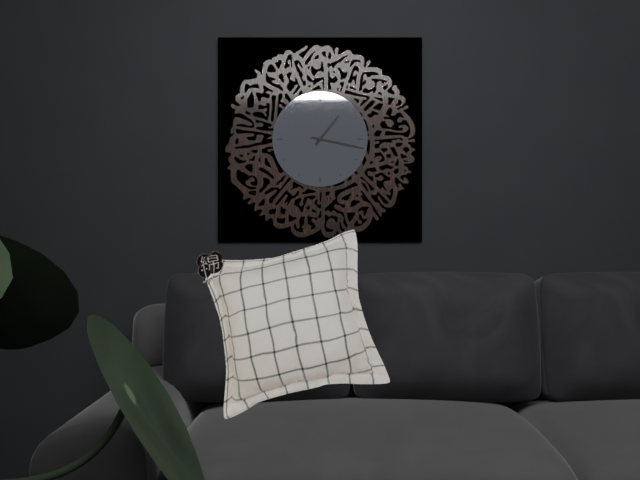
1:17
